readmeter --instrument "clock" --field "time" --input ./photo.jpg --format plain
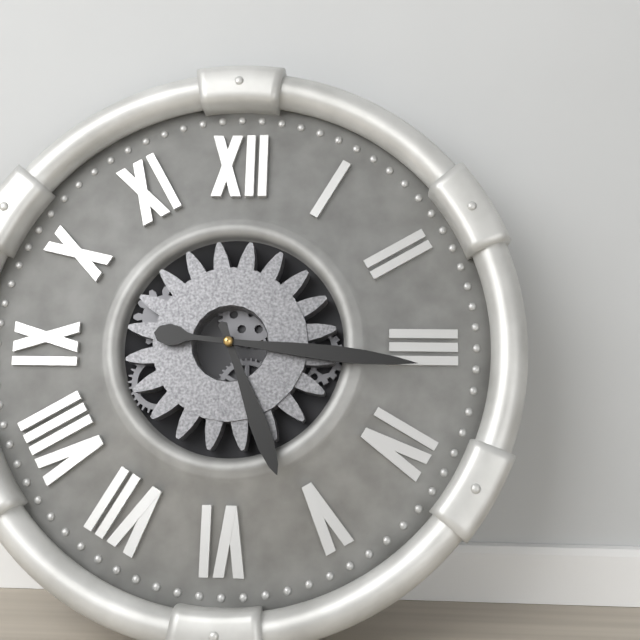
5:16
